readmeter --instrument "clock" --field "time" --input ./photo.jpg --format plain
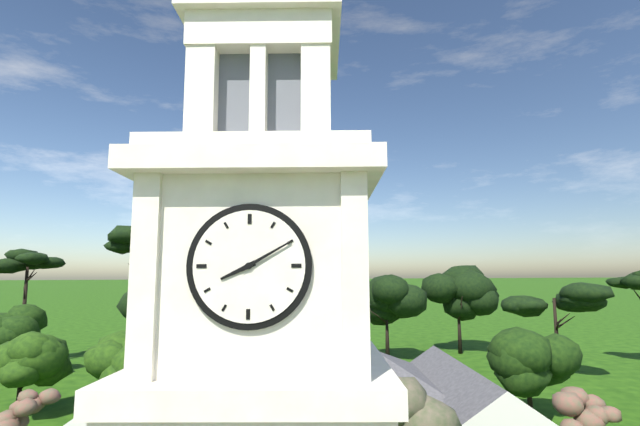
8:10
